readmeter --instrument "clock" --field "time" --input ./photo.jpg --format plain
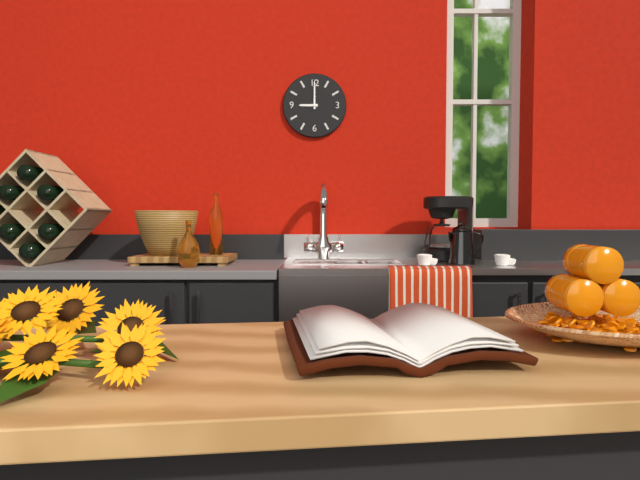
9:00
